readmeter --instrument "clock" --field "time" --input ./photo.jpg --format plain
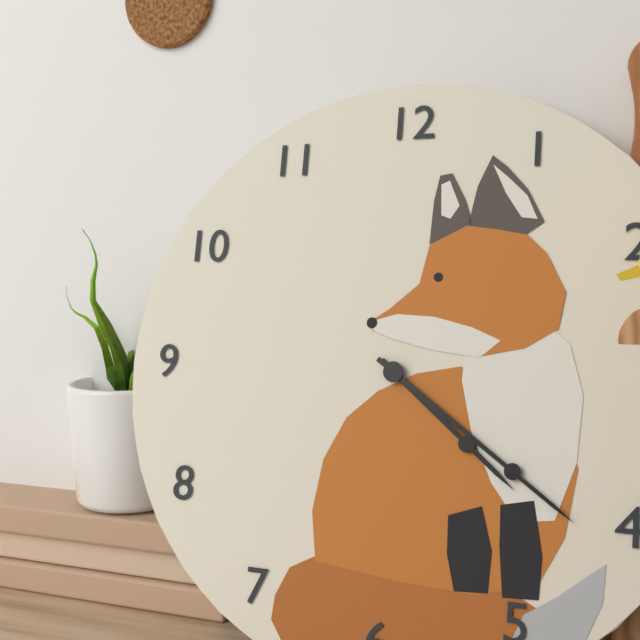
4:21
